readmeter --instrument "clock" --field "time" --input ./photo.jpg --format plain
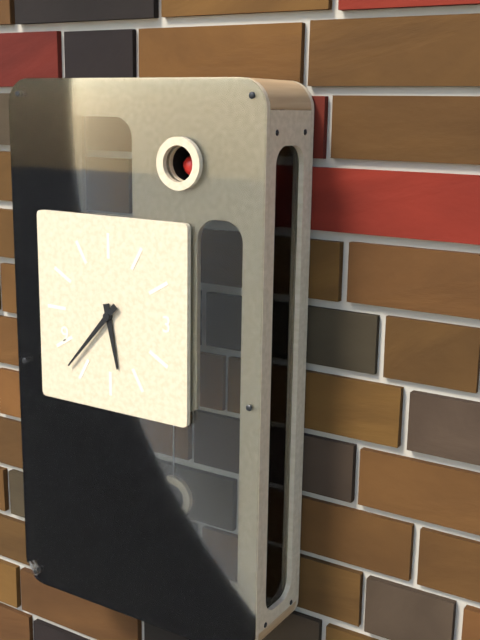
5:37
